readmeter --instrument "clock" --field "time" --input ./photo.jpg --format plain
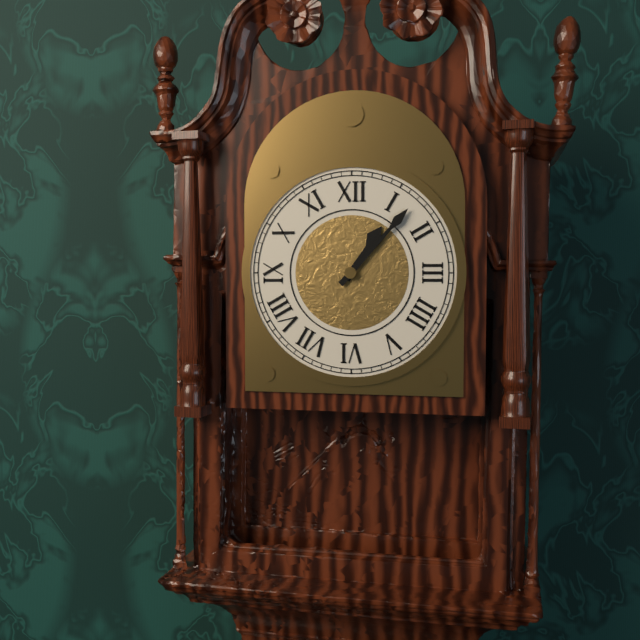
1:07
